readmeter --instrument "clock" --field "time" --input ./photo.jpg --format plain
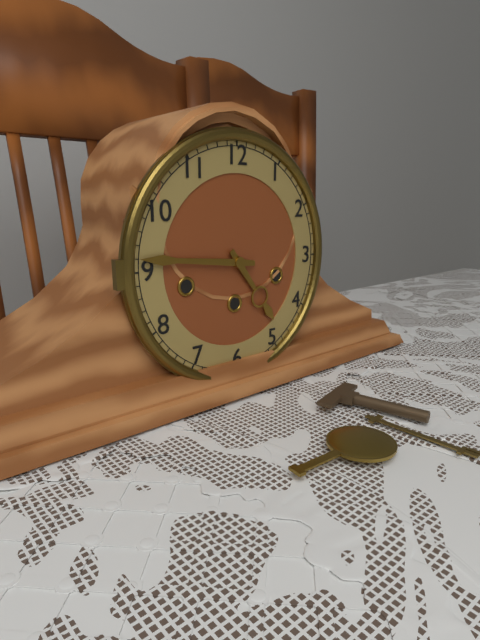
4:46
